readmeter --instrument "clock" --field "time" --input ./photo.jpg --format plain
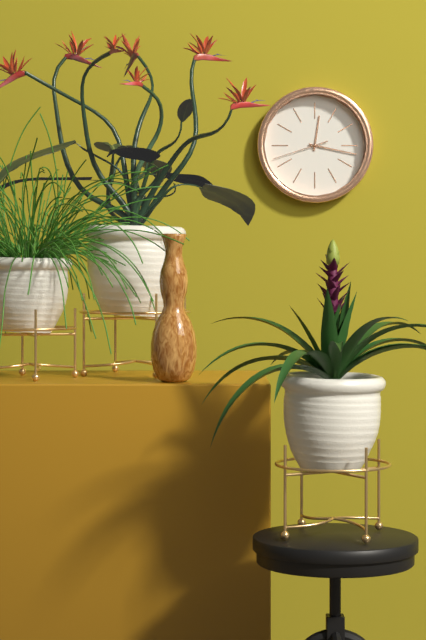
12:17:42
